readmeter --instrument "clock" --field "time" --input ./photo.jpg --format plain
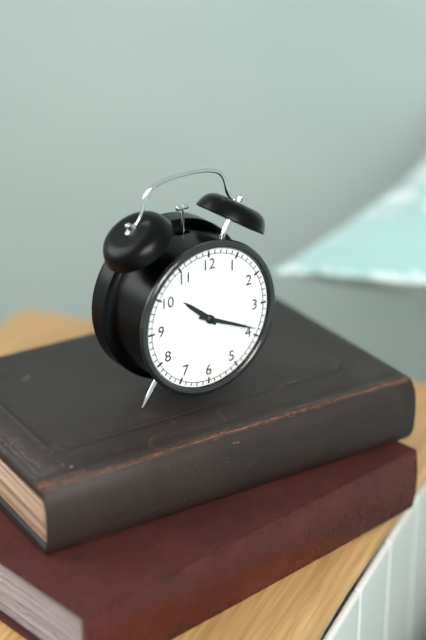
10:19
